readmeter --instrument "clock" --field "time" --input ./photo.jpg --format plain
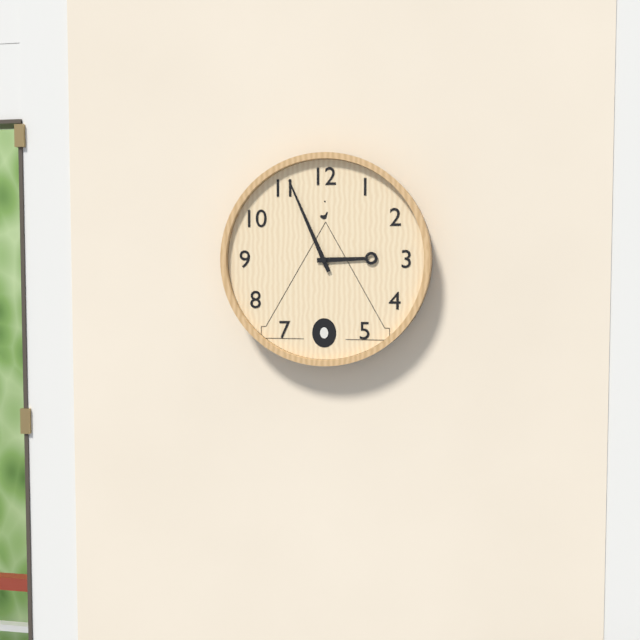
2:56
